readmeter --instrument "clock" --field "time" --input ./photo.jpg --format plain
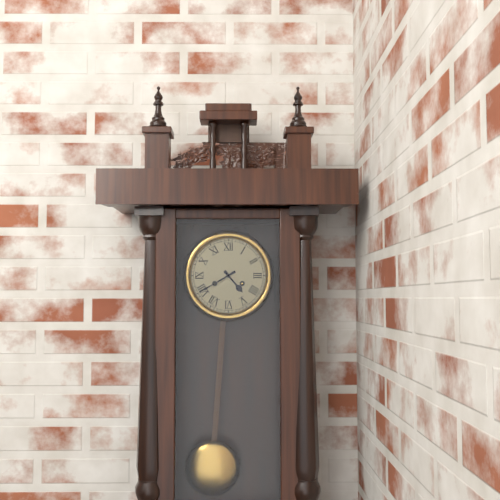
4:40
